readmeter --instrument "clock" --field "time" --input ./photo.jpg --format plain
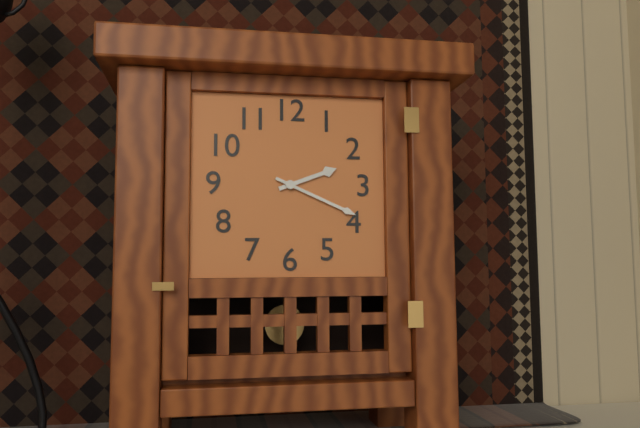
2:19
